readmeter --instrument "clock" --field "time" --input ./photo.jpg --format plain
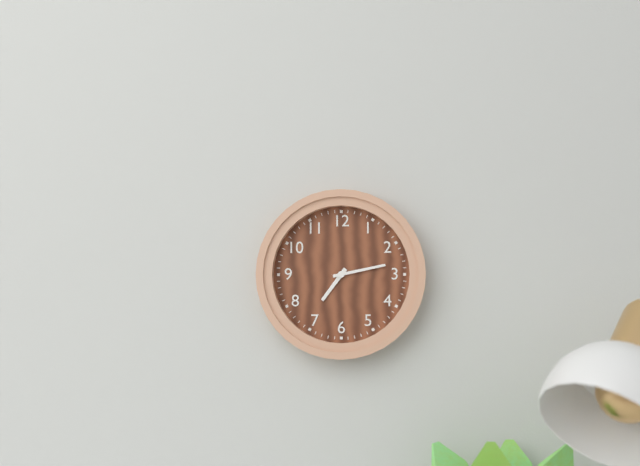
7:13
